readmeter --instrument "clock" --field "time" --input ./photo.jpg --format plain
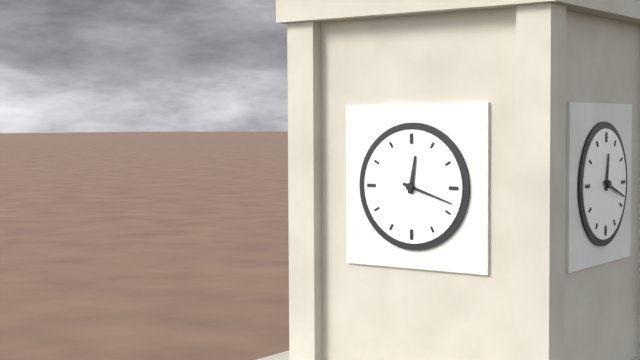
12:18
